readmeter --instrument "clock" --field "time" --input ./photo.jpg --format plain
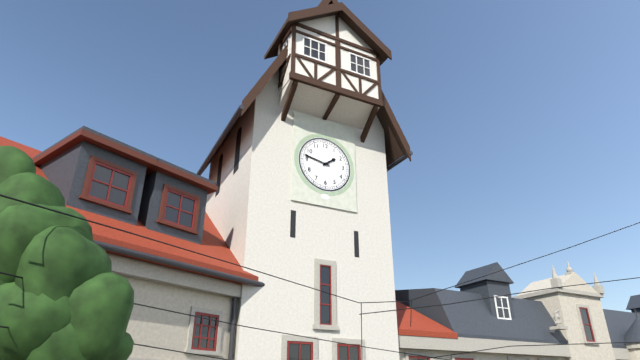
1:47
